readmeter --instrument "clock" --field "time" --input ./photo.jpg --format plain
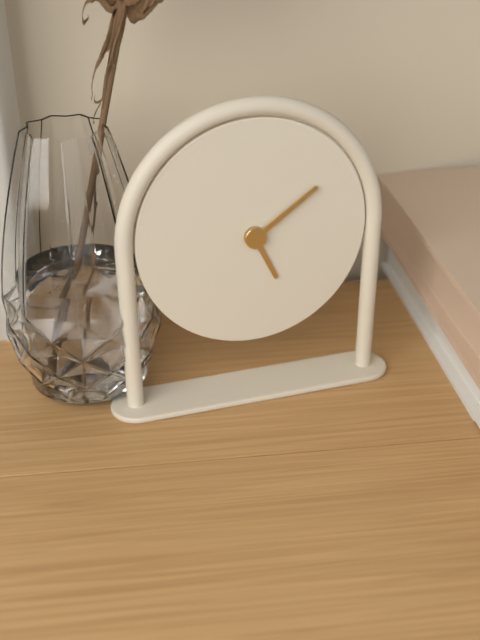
5:09
